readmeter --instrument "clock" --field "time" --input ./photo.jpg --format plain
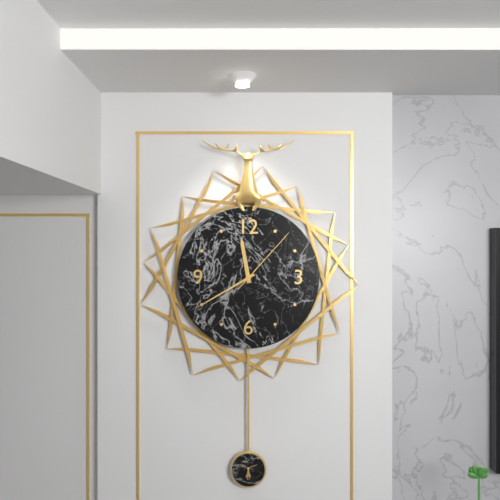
11:40:07
